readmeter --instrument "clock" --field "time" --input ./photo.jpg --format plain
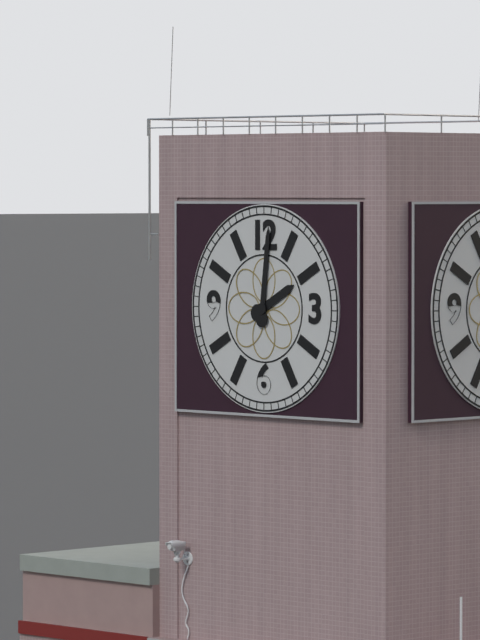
2:01
